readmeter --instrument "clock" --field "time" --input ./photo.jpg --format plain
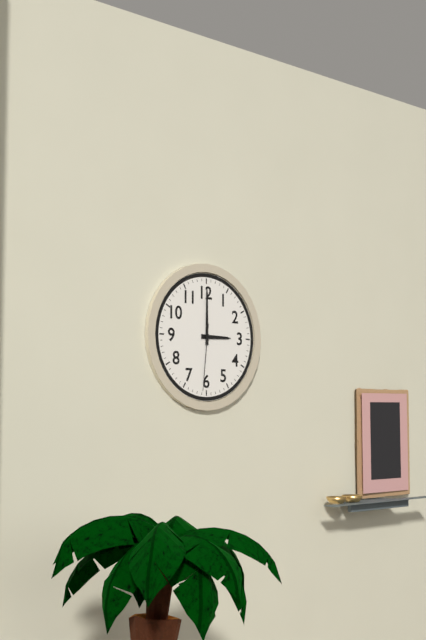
3:00:31
